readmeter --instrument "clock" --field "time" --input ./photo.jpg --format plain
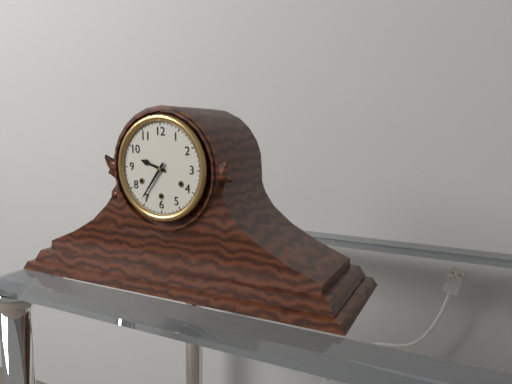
9:36
